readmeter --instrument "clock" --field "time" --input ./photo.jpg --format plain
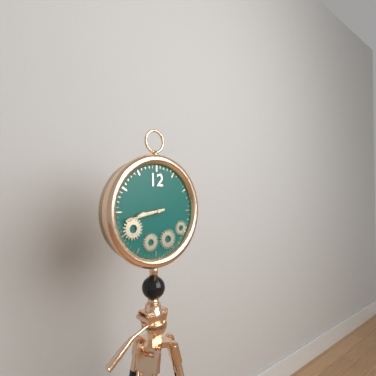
8:43
